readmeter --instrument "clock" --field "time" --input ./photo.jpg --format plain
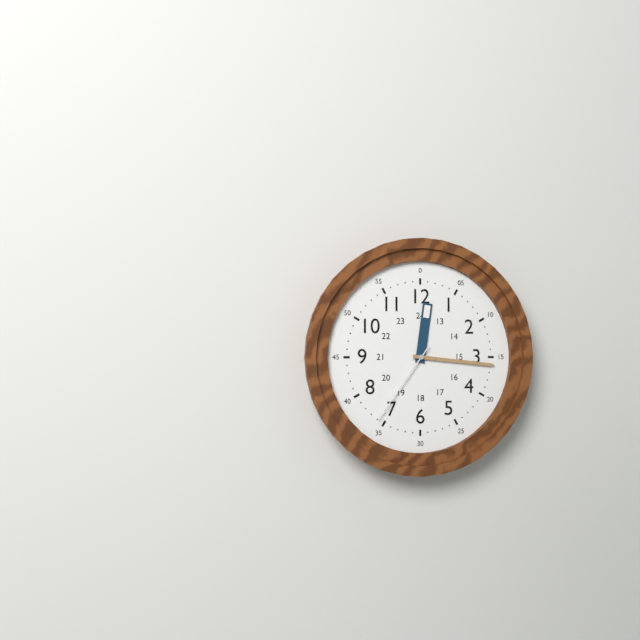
12:16:36
